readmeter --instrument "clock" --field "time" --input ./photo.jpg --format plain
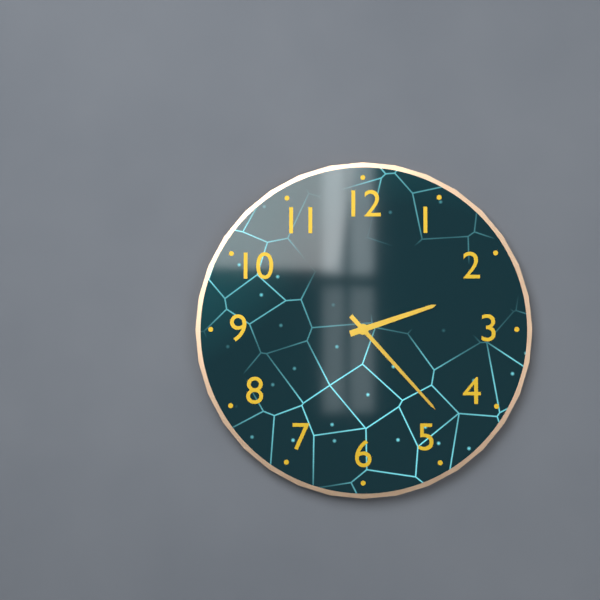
2:23
